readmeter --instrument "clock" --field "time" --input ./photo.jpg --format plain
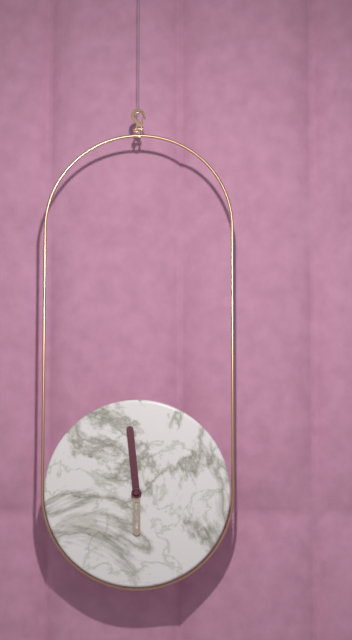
5:59
